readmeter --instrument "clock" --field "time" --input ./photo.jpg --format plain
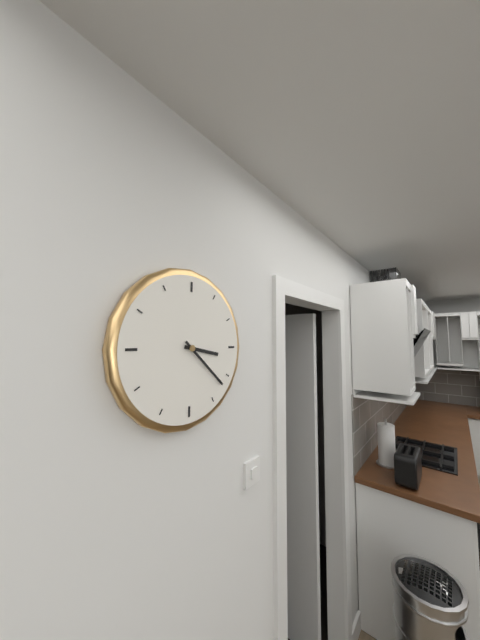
3:22
